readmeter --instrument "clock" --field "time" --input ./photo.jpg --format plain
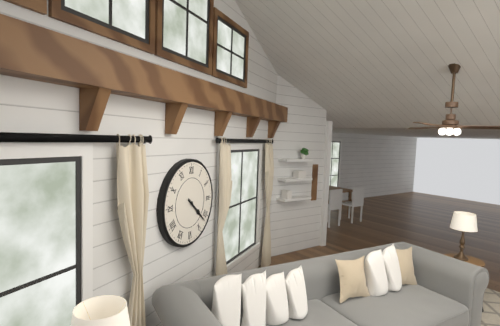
4:22
